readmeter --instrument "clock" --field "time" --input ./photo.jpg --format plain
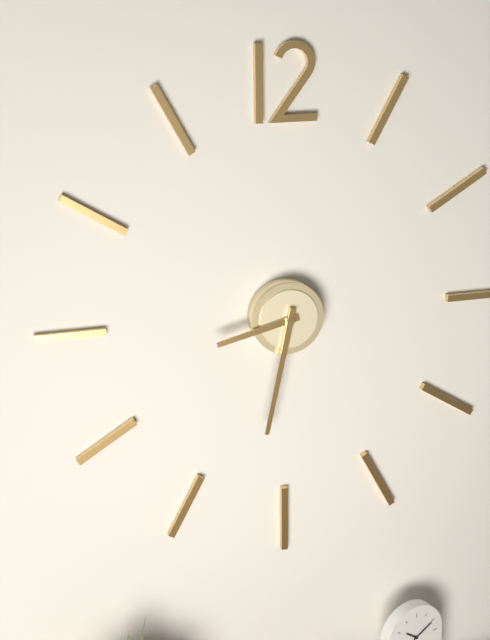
8:32
